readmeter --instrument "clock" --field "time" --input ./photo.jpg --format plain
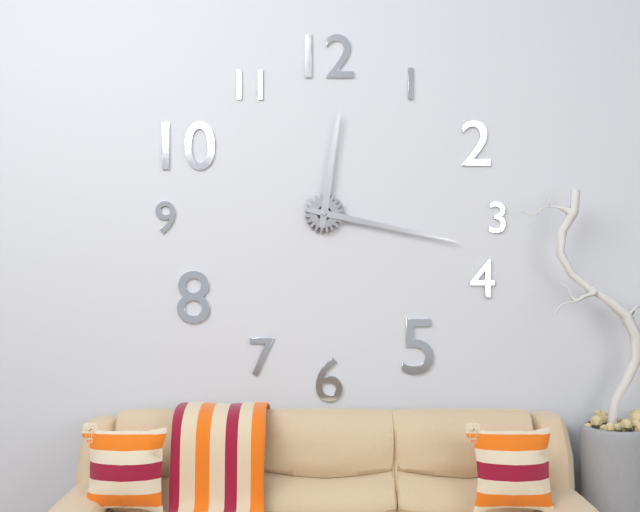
12:17
